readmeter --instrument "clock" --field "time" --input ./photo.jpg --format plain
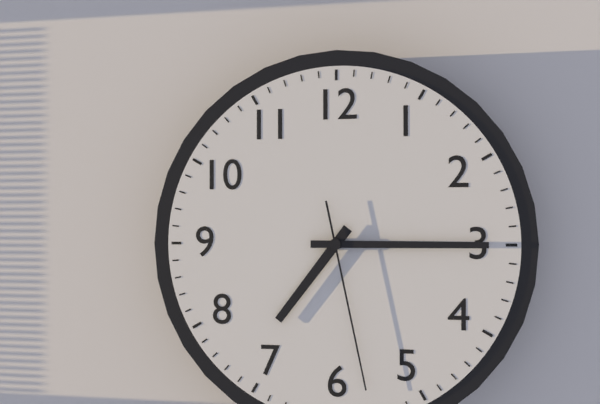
7:15:28
